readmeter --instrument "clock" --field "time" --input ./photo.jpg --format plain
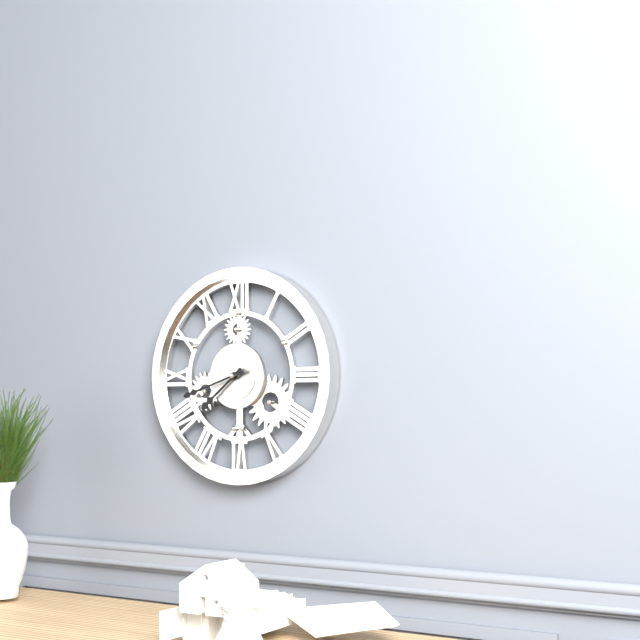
7:42
